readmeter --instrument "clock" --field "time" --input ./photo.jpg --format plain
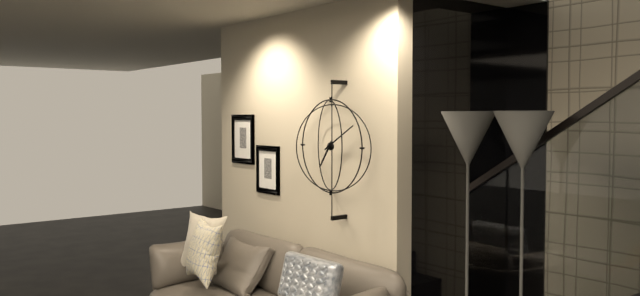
7:10
